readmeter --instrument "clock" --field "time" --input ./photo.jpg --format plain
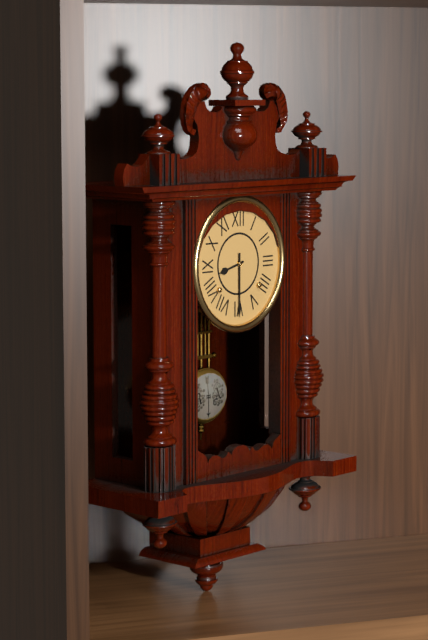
8:30
